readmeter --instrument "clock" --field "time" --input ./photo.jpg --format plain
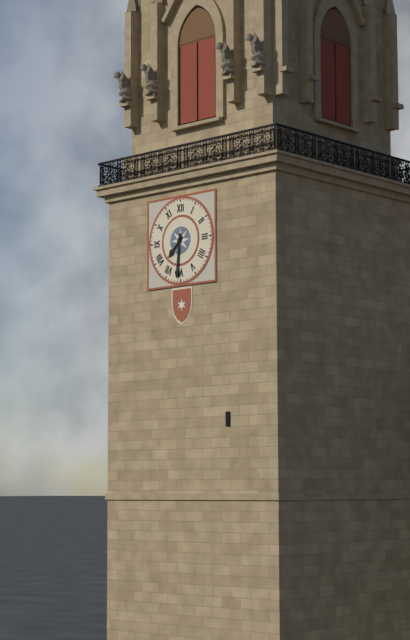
7:31
